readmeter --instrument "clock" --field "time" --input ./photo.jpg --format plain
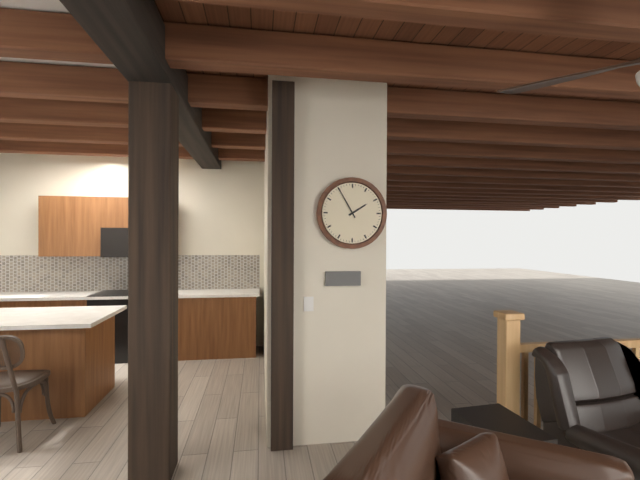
1:55
